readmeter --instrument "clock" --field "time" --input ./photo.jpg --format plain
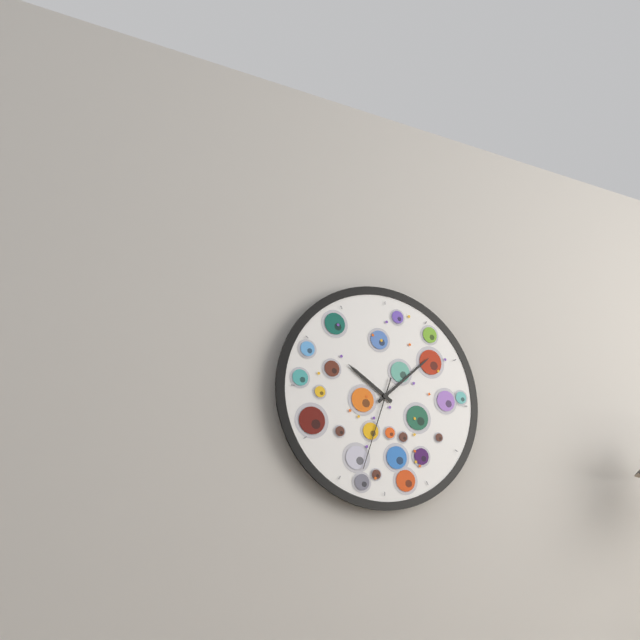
10:08:33
